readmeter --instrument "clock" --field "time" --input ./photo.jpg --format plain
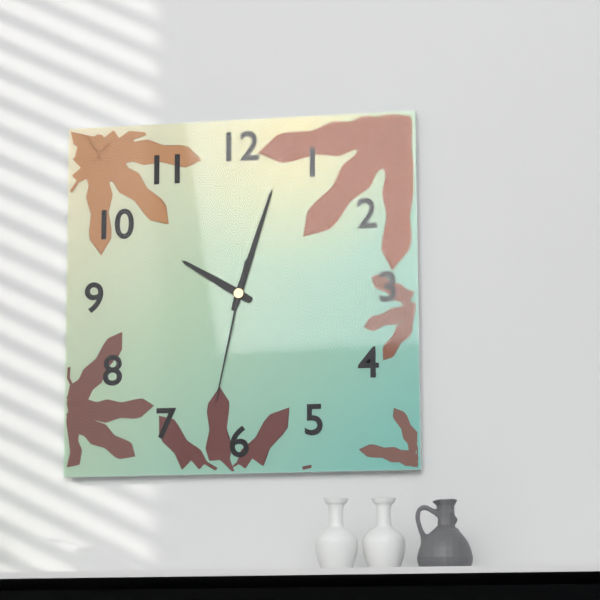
10:03:32
